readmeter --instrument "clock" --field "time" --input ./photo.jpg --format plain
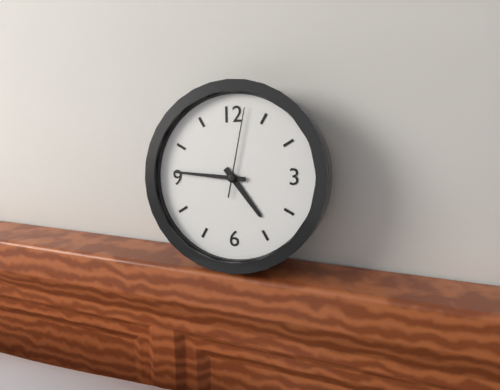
4:46:02
